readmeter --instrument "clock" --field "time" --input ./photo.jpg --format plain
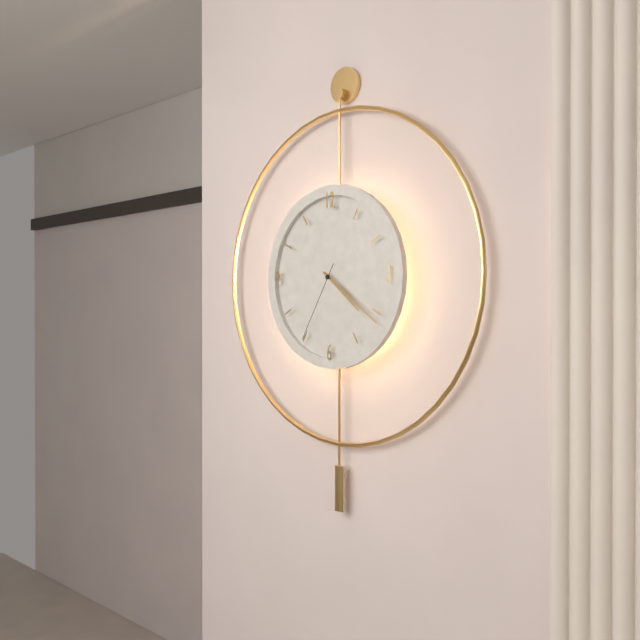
4:21:35
